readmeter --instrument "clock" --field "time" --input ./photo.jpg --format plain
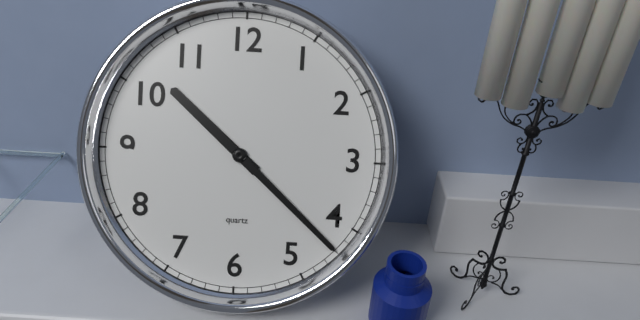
10:22
